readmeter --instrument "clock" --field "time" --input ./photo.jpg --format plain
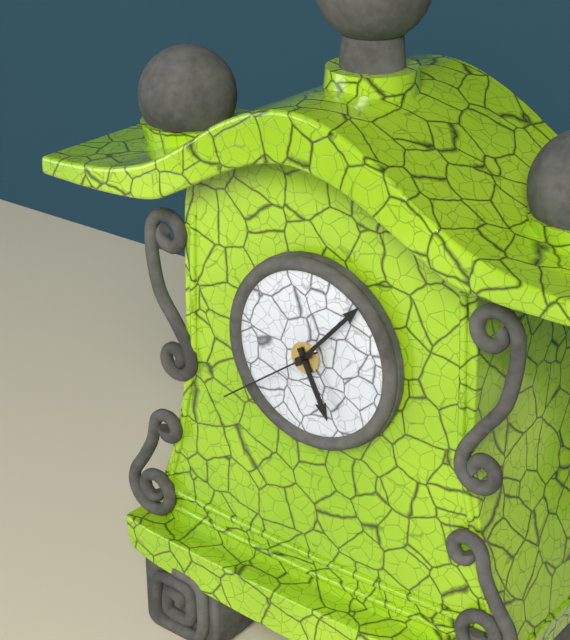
5:07:39
